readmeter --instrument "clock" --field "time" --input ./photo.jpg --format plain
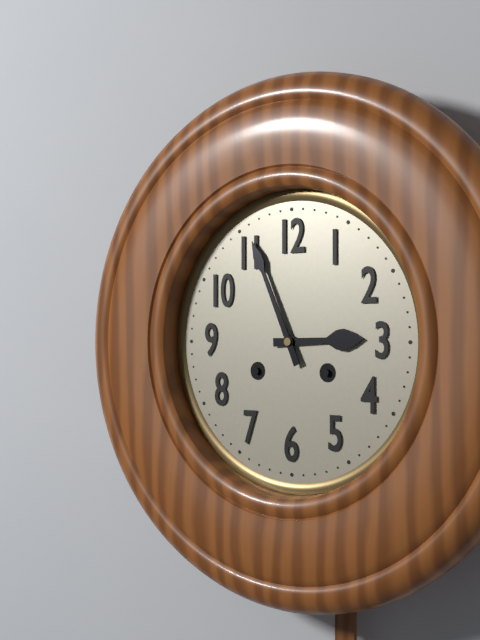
2:56
